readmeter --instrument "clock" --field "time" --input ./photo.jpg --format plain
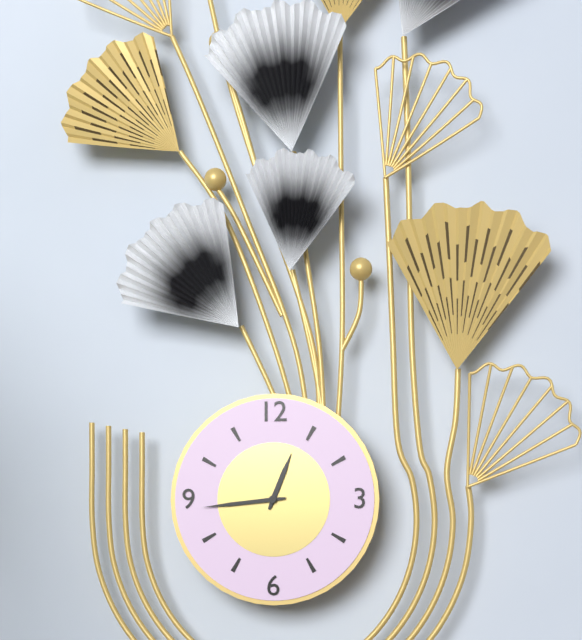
12:44
